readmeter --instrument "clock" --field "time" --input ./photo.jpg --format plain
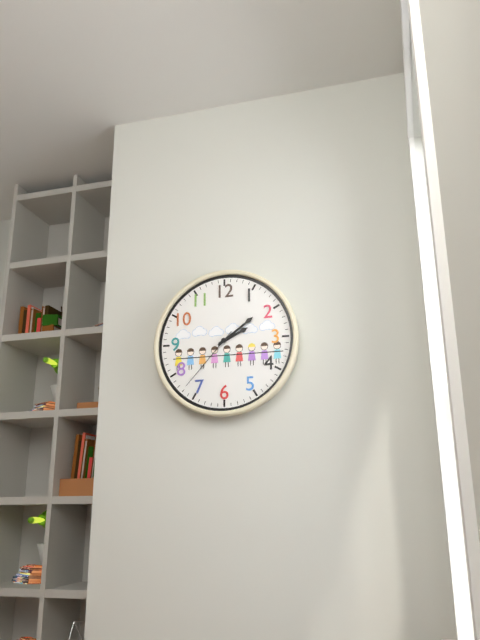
2:09:37
